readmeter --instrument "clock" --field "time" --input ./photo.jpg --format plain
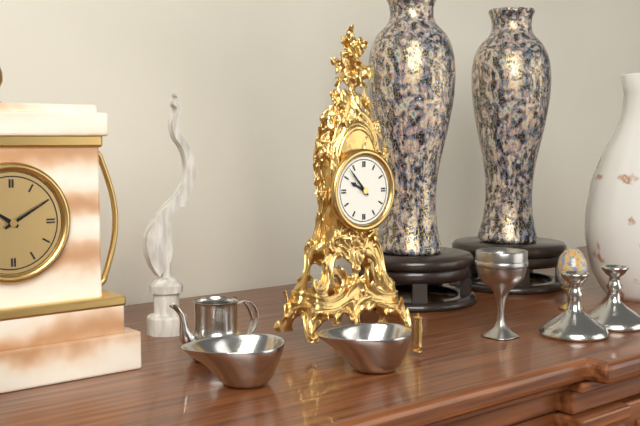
9:53
